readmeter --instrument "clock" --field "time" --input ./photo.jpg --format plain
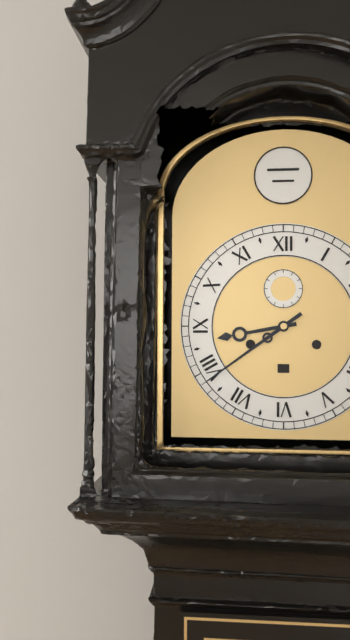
8:39
